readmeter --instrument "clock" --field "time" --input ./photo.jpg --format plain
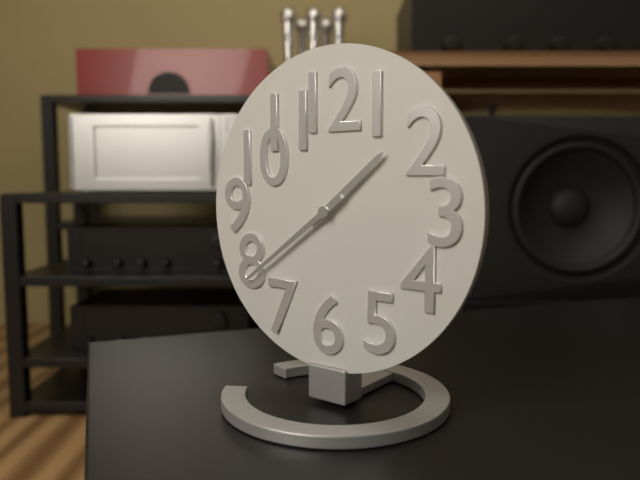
1:39
